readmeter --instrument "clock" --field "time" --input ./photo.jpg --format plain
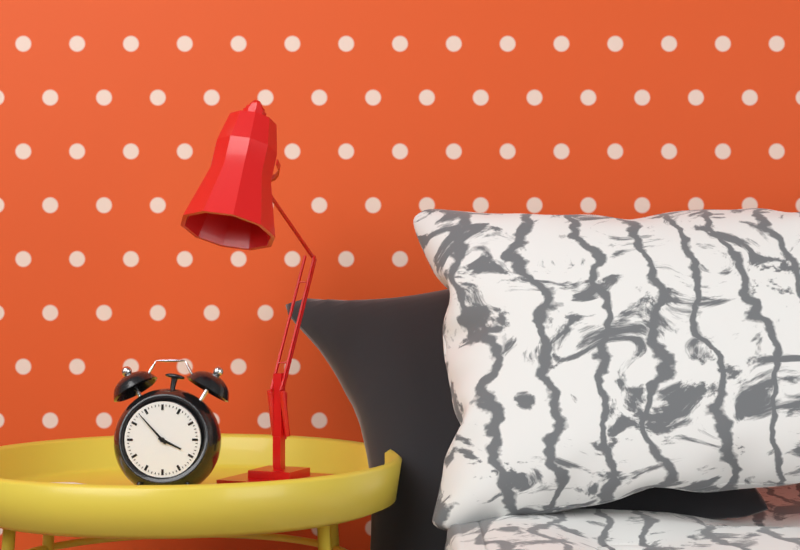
3:53
